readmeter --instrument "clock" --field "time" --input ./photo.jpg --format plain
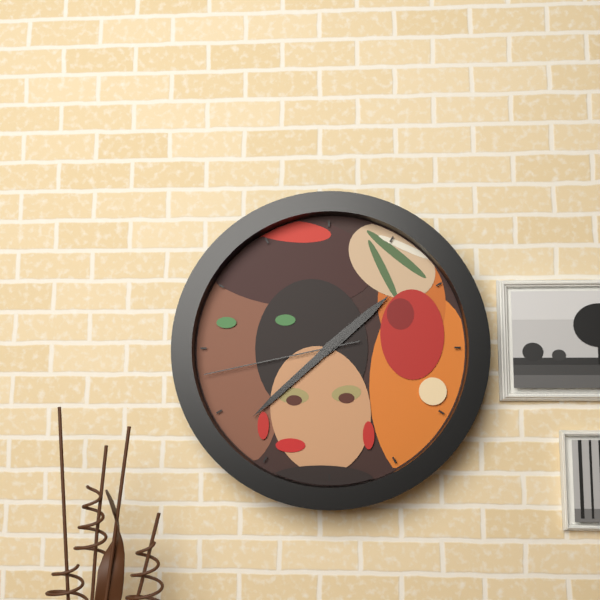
1:38:43
